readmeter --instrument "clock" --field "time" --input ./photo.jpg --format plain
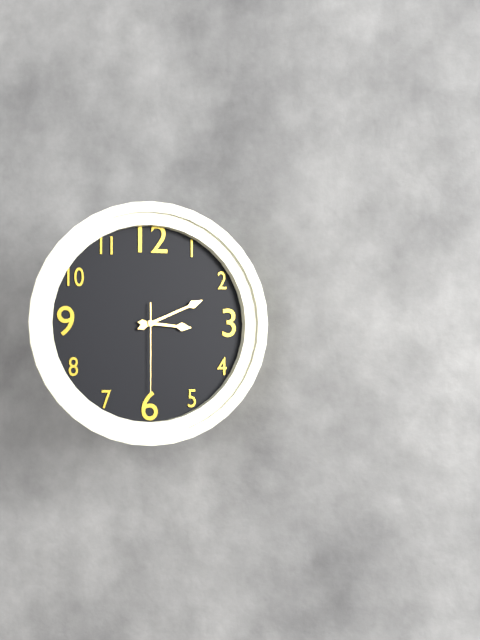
3:11:30
